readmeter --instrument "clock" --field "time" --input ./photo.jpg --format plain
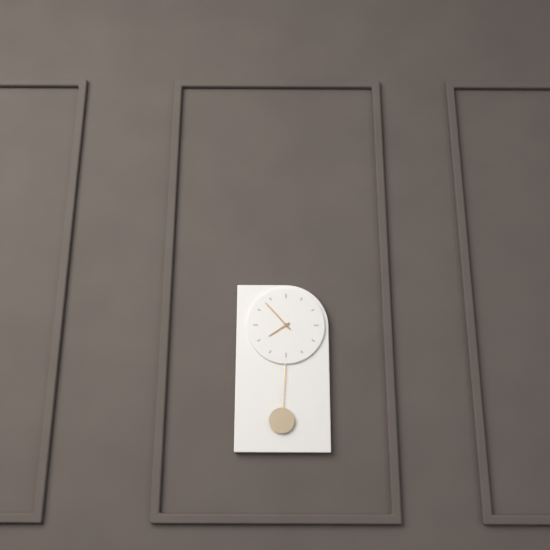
7:53
